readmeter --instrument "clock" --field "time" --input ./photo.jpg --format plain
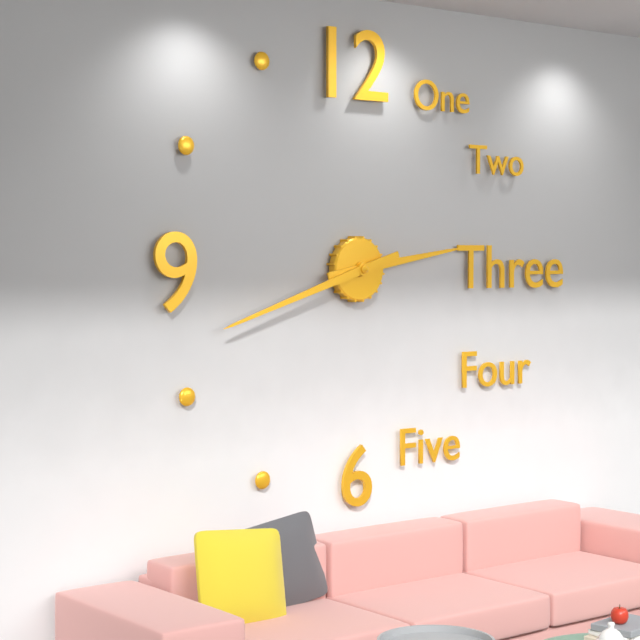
2:42
